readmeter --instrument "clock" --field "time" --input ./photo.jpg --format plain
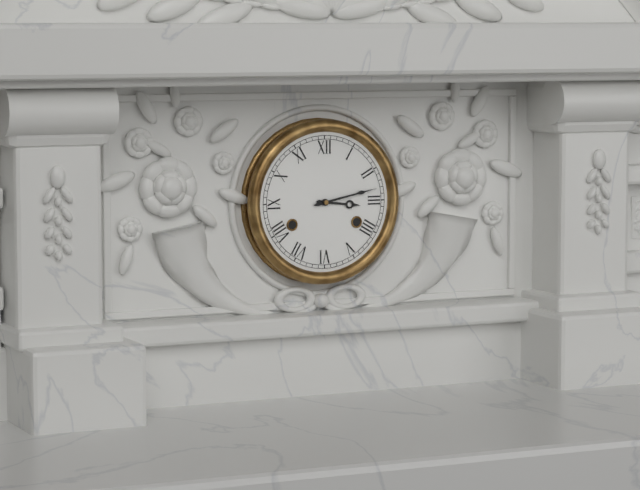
3:13
